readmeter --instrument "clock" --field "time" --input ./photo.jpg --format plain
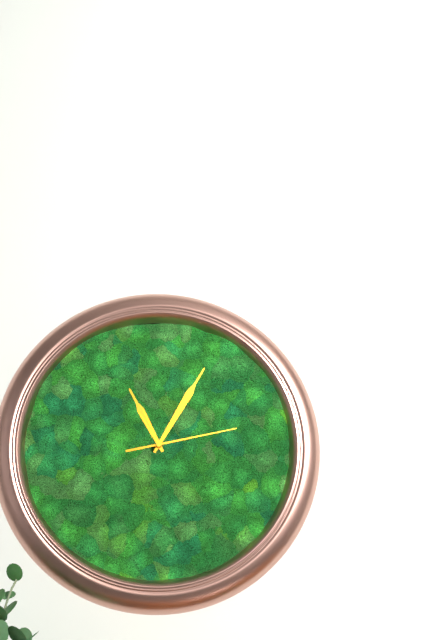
11:05:13
